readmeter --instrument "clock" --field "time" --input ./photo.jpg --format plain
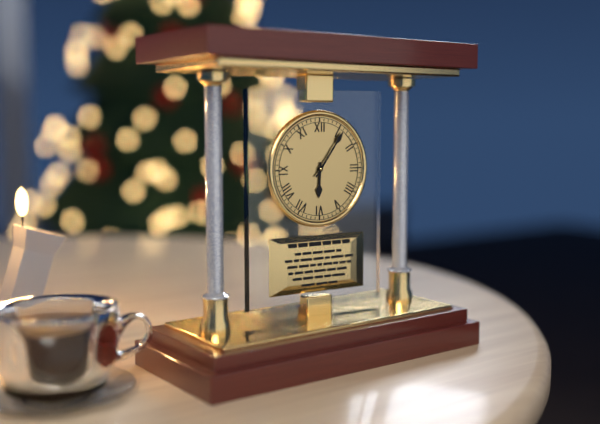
6:06
